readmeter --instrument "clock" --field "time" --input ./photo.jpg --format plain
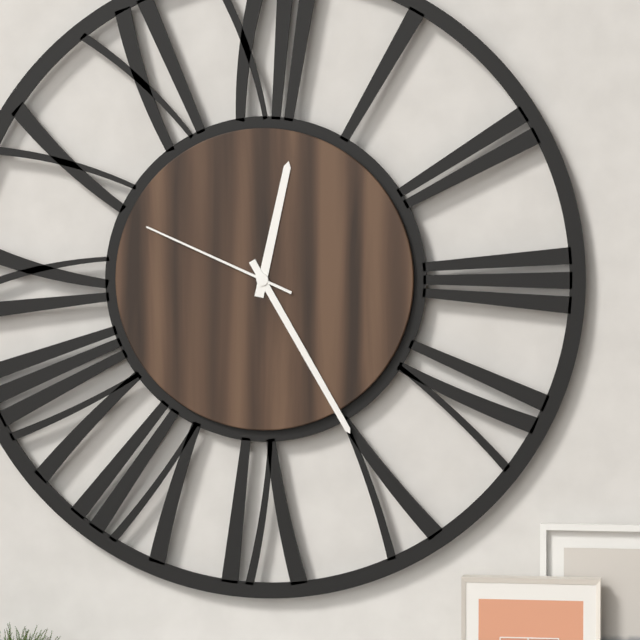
12:25:49
